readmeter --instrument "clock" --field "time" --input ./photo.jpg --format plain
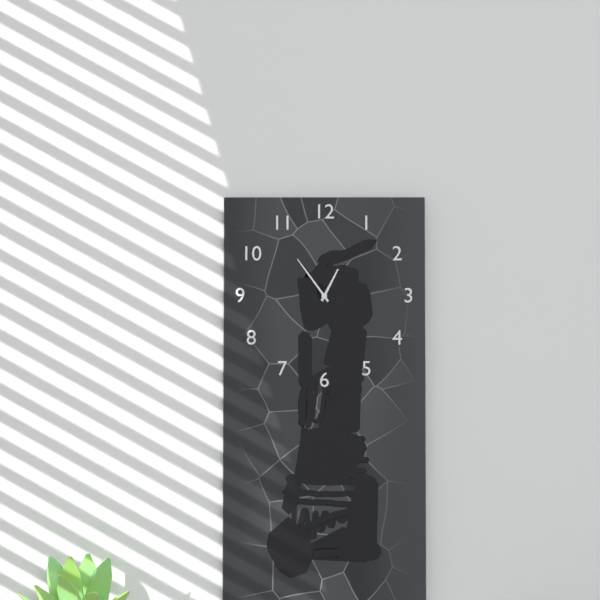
12:54
